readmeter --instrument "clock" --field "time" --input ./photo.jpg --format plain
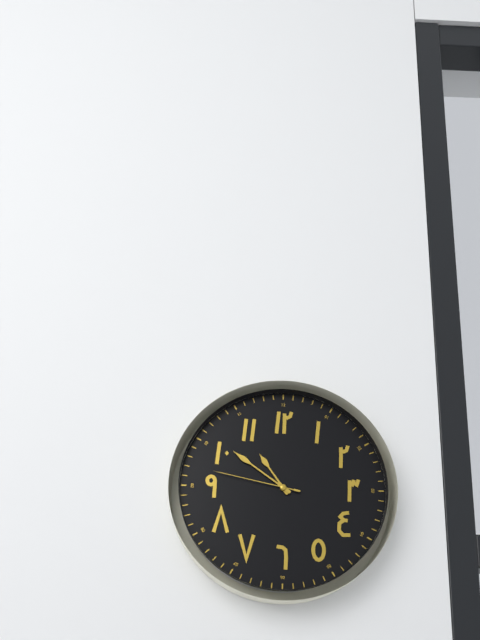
10:51:47
